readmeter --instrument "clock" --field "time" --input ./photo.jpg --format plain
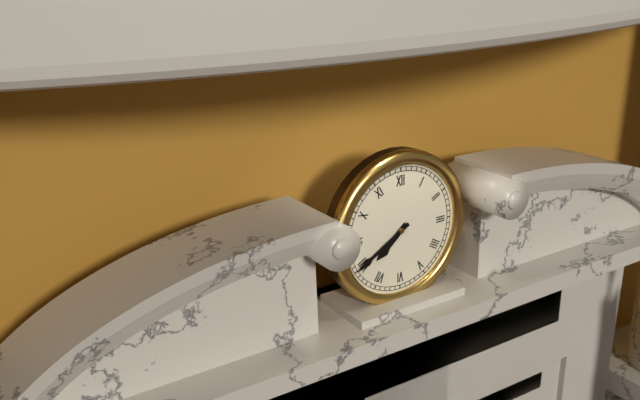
7:40
